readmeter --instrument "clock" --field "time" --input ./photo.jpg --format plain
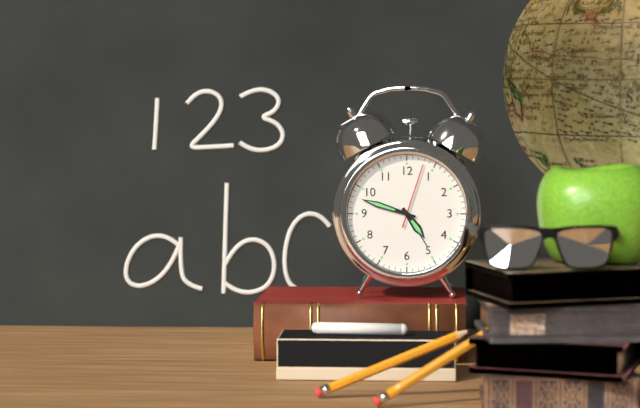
4:48:03
